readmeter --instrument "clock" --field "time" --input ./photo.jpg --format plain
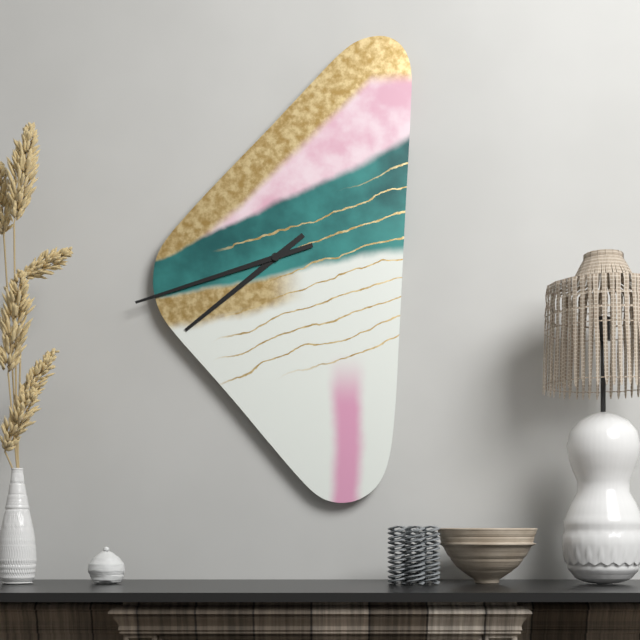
7:42
